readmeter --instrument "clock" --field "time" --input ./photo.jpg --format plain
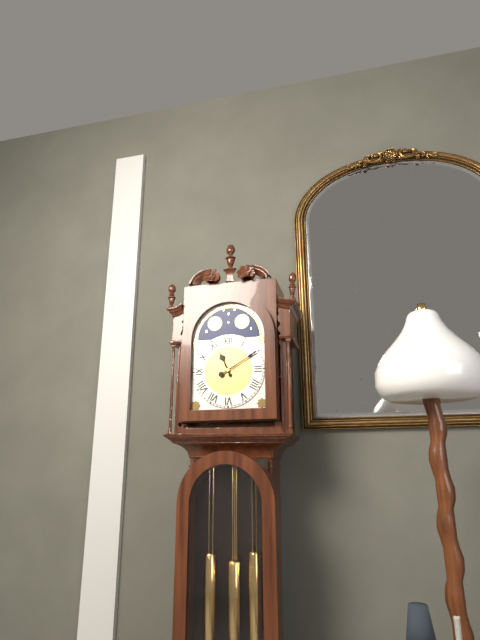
11:10
